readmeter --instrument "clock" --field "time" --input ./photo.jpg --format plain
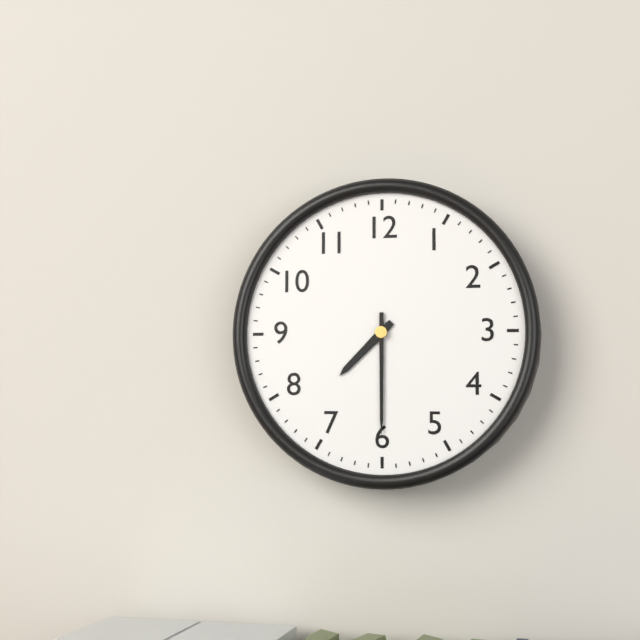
7:30
